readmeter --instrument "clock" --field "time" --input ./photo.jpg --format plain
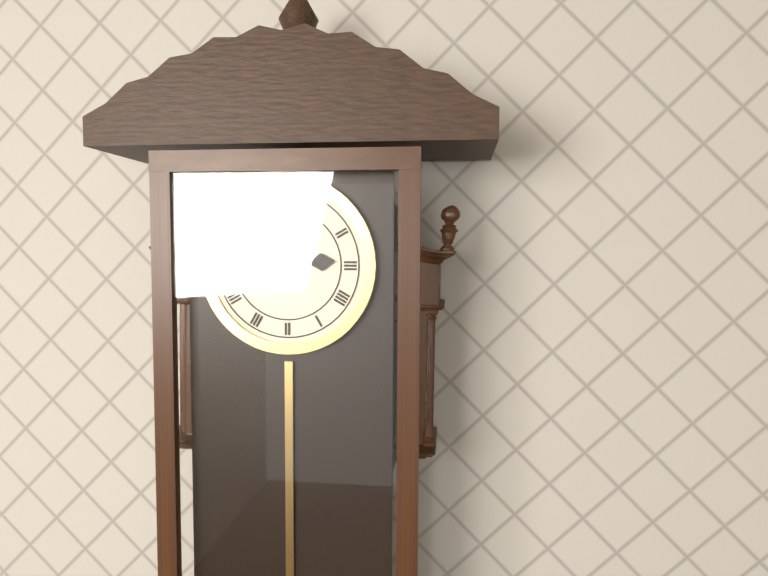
2:49
